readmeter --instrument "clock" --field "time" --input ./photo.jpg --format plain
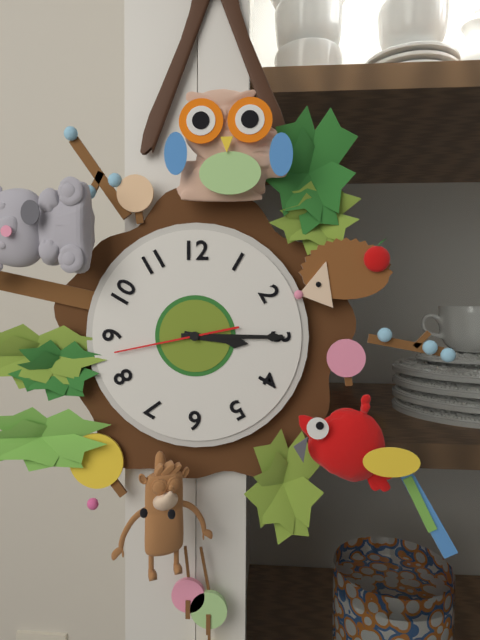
3:15:43
